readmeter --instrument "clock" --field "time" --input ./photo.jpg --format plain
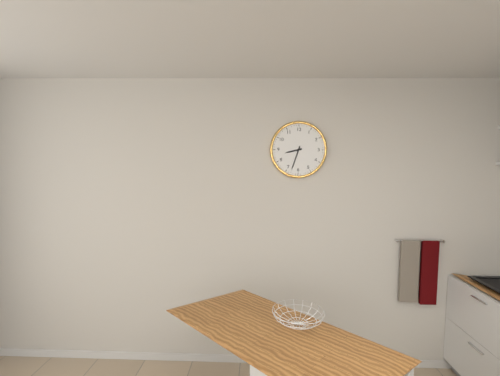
8:33
